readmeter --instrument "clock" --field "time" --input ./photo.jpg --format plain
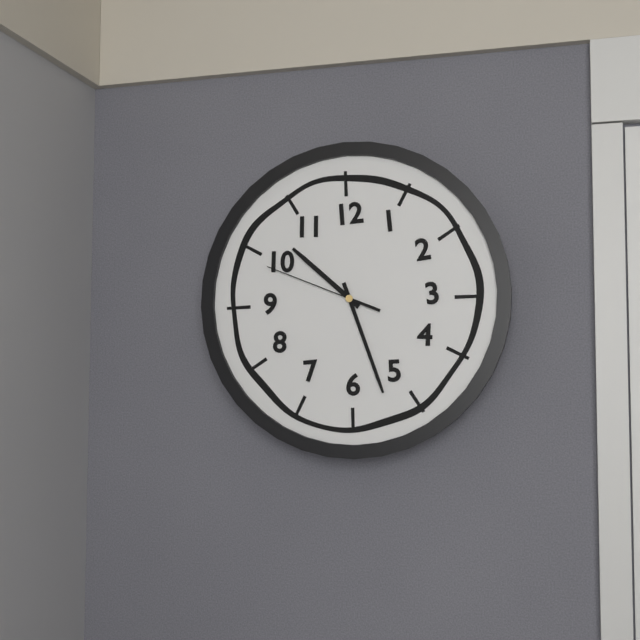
10:27:49
